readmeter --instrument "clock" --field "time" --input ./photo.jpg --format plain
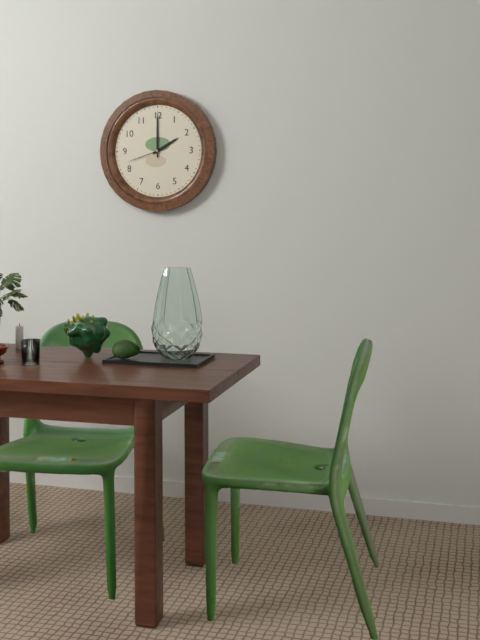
2:00
